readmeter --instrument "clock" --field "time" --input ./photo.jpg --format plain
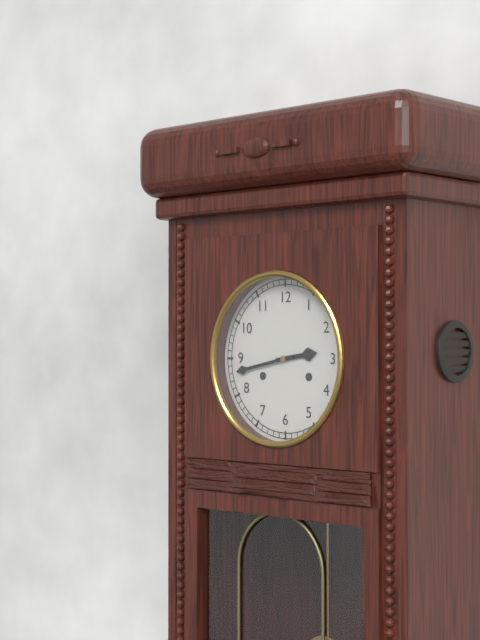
2:43
